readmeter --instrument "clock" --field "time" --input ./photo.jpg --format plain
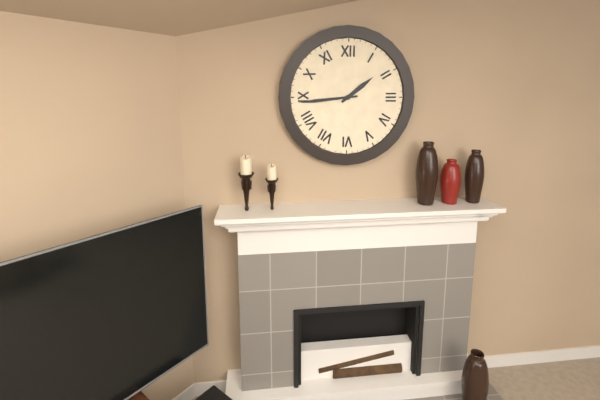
1:44
